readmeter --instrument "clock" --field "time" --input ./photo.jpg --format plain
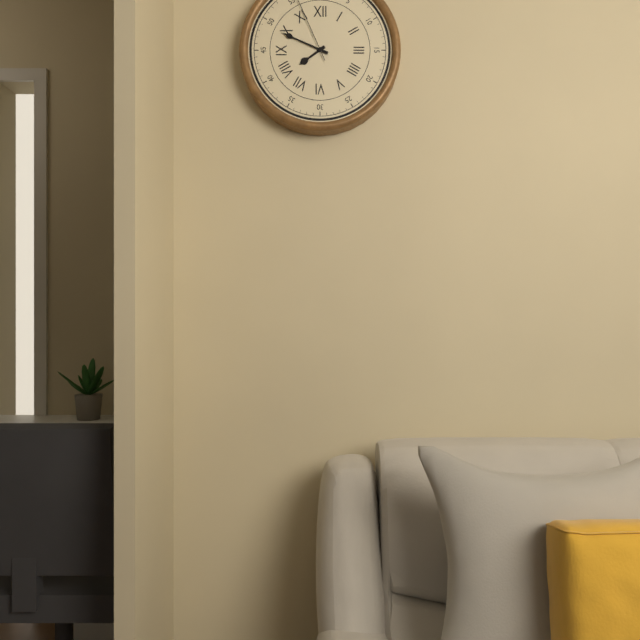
7:49
